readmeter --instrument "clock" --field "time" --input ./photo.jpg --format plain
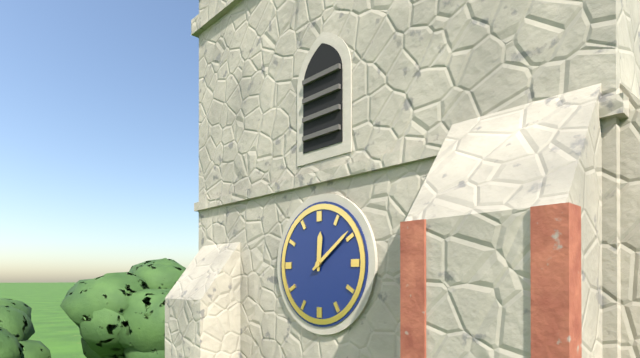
12:09
